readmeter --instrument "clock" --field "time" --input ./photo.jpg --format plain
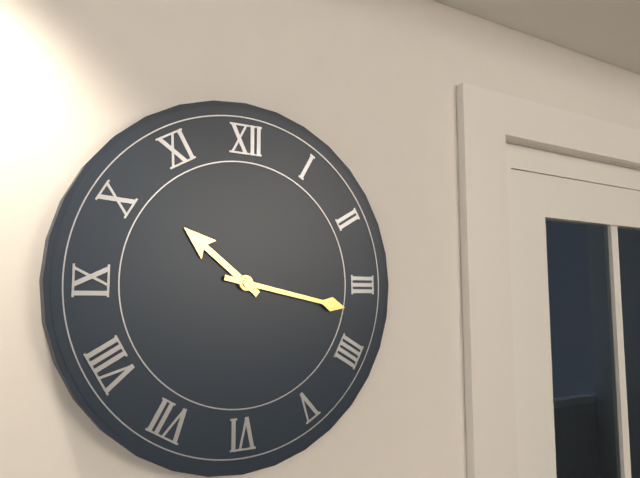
10:17
